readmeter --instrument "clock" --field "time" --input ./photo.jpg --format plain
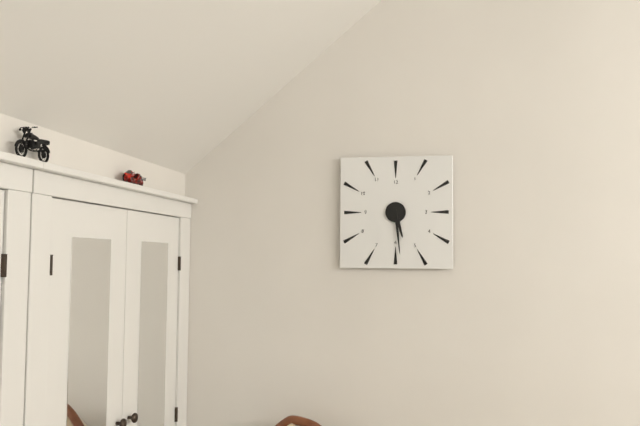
5:29
